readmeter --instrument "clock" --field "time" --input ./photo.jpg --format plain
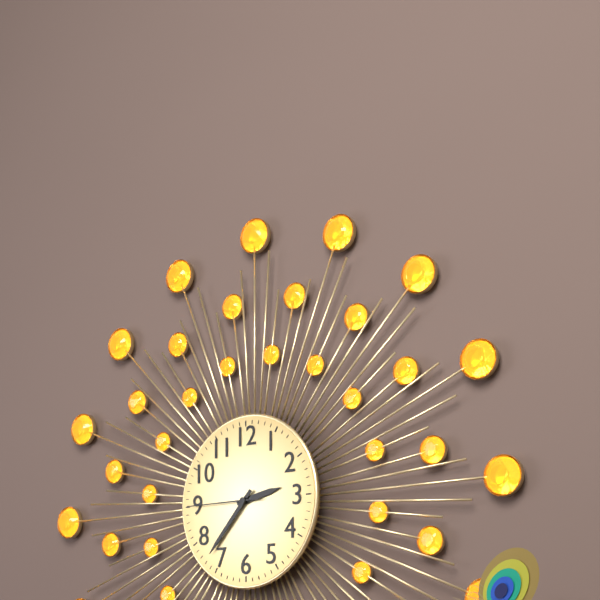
2:37:45
